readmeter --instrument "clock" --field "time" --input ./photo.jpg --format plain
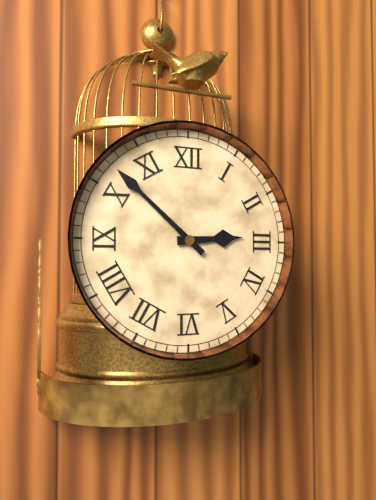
2:52
